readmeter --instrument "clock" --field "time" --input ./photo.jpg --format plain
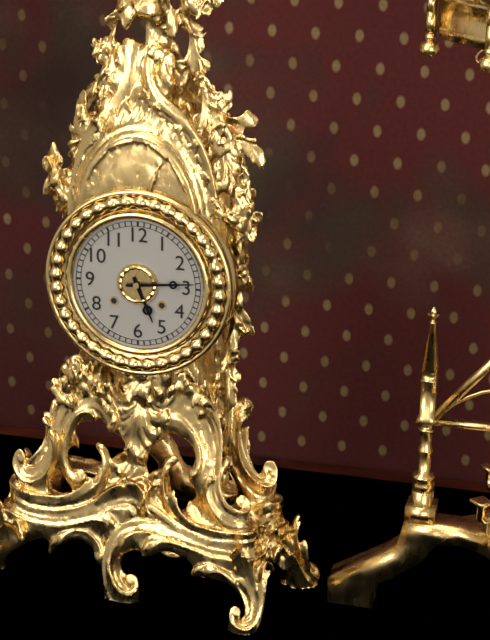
5:14
